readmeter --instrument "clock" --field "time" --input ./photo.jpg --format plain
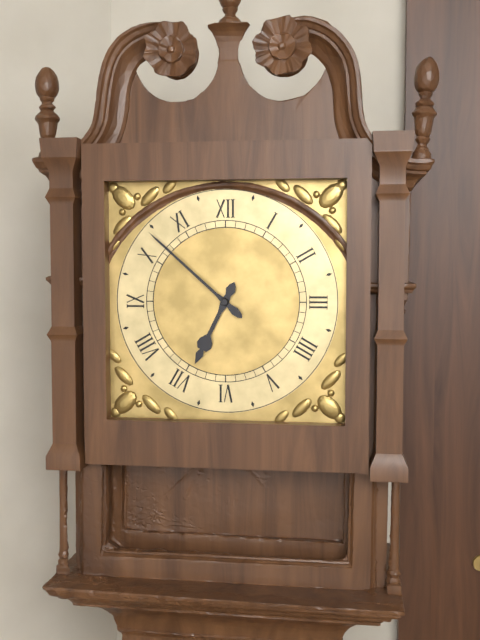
6:52
